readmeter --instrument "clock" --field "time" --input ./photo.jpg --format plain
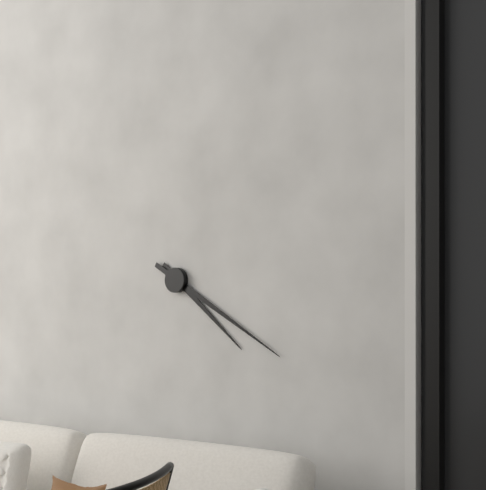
4:20
